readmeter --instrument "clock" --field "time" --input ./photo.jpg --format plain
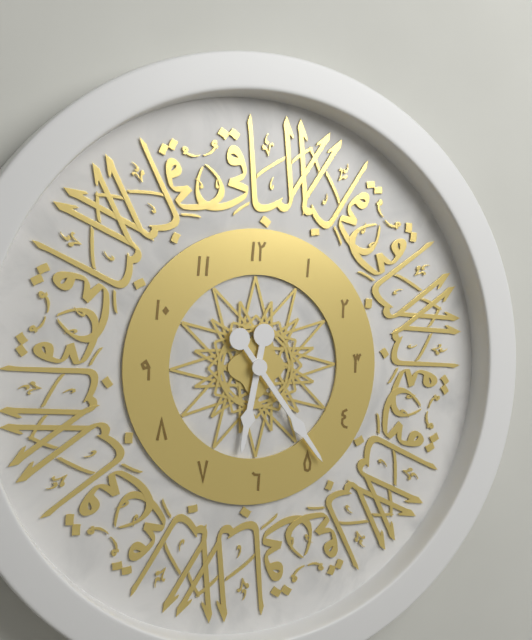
6:24
